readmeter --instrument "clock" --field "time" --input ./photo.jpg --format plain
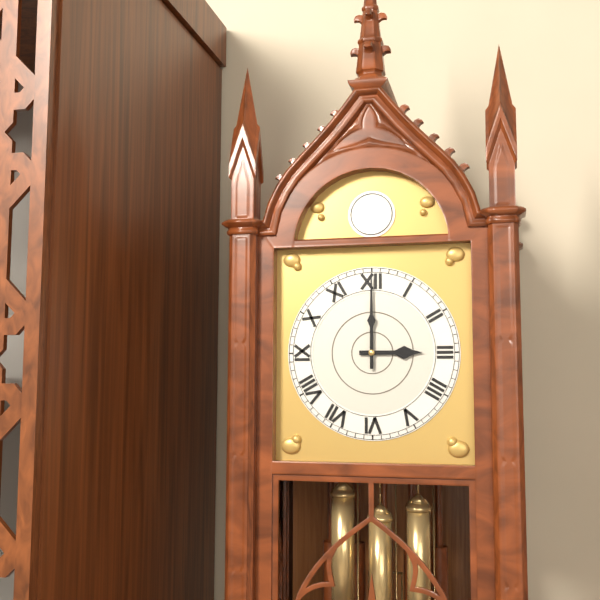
3:00
